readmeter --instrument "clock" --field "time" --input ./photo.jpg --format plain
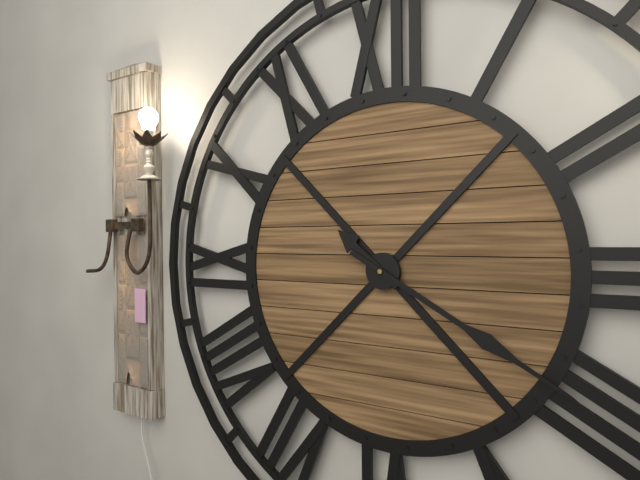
10:20
